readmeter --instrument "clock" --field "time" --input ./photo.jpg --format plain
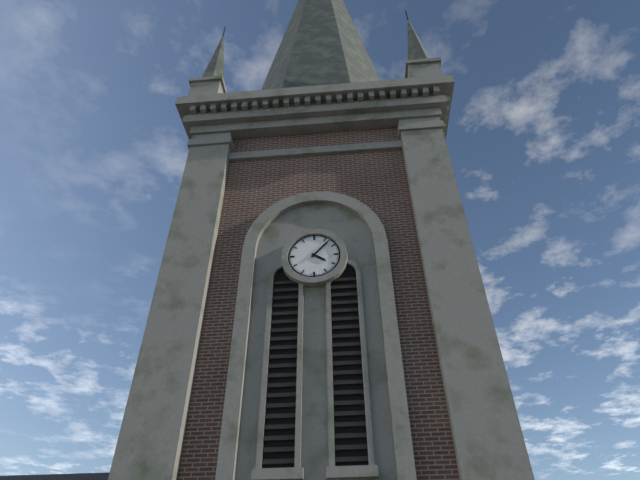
4:07
